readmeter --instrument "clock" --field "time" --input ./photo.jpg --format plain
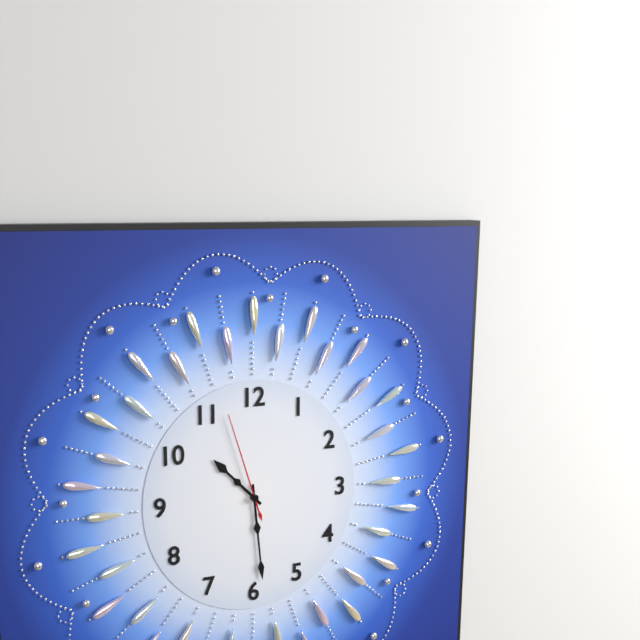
10:29:57
